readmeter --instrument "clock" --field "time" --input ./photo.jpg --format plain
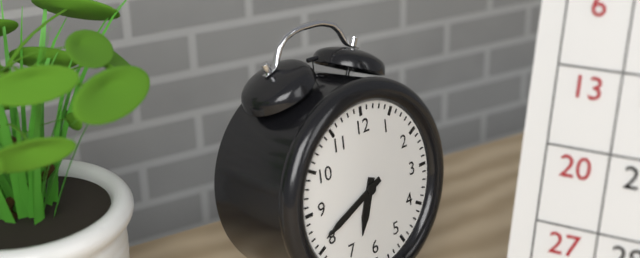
6:41
